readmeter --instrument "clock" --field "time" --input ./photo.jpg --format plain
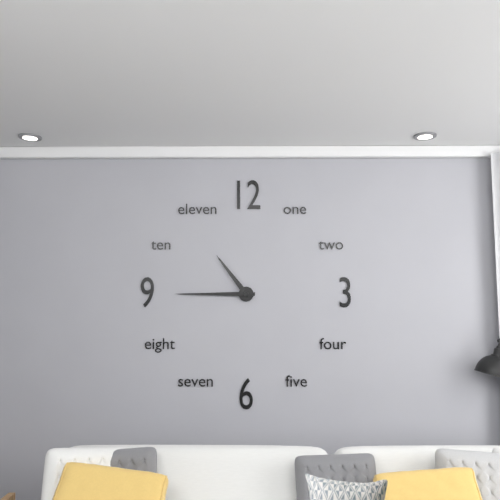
10:45
